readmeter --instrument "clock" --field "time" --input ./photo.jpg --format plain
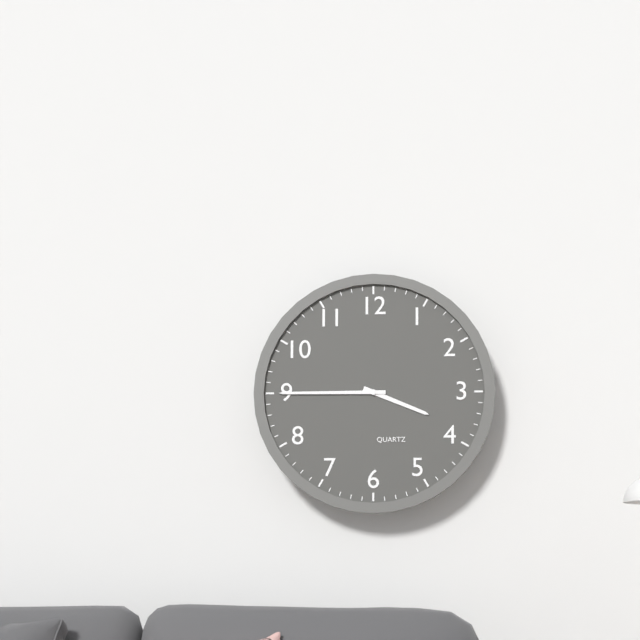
3:45
